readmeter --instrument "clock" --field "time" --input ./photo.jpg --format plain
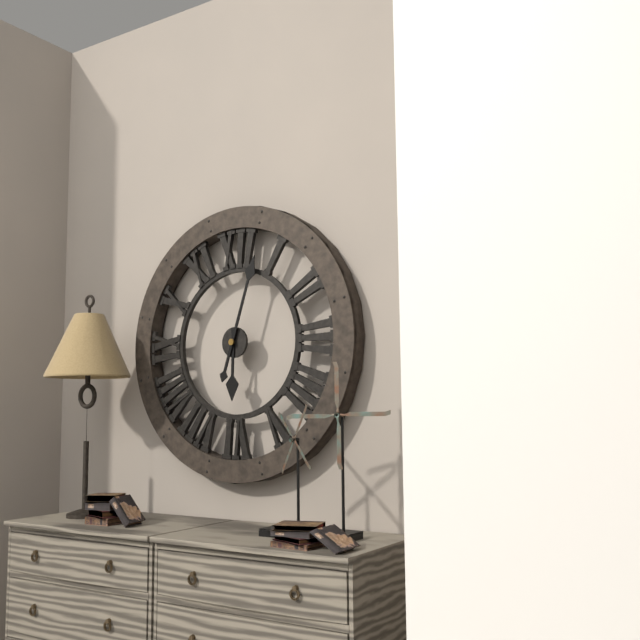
6:03
